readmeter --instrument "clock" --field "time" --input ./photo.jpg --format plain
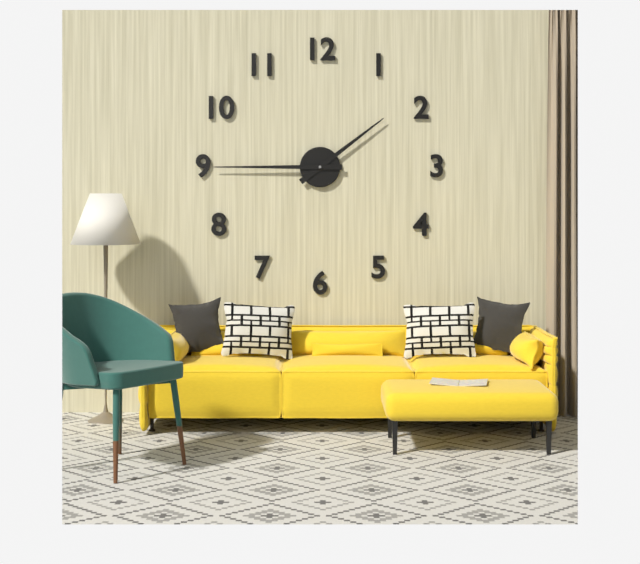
1:45
